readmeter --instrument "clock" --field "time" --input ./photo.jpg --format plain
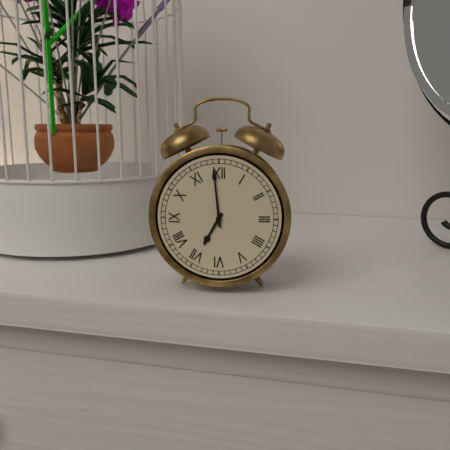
6:59
